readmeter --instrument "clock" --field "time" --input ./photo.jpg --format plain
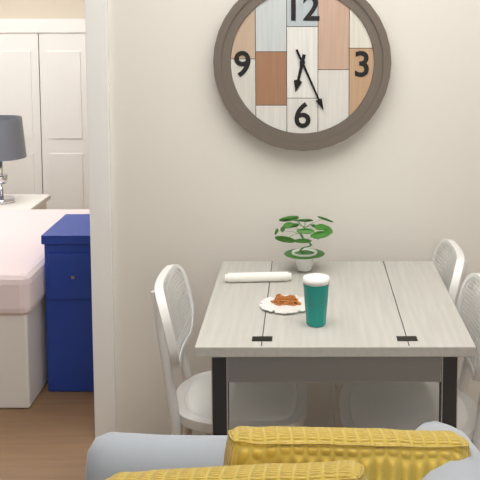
6:26
